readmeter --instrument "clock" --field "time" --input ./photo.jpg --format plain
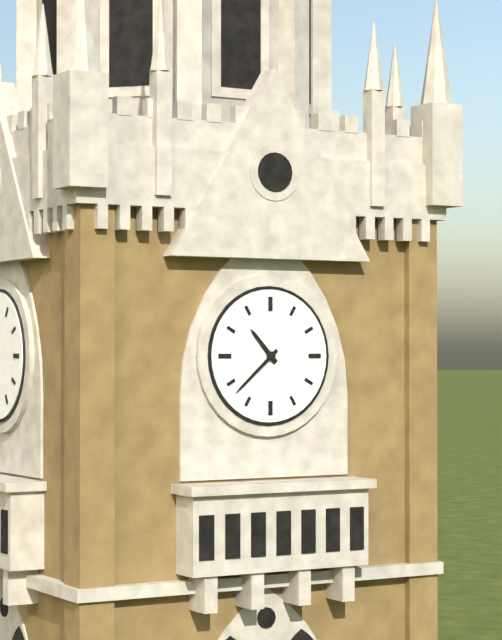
10:38
